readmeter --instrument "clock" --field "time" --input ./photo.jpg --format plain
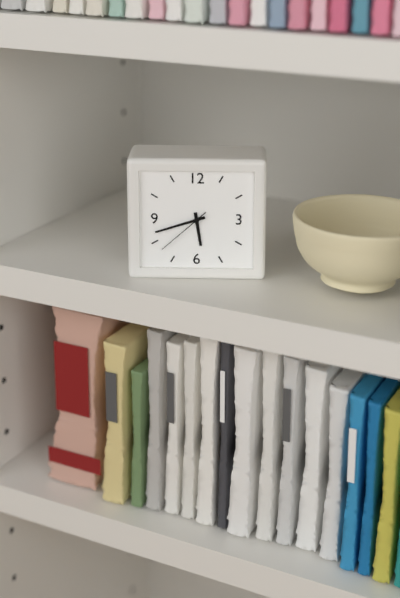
5:42:38
